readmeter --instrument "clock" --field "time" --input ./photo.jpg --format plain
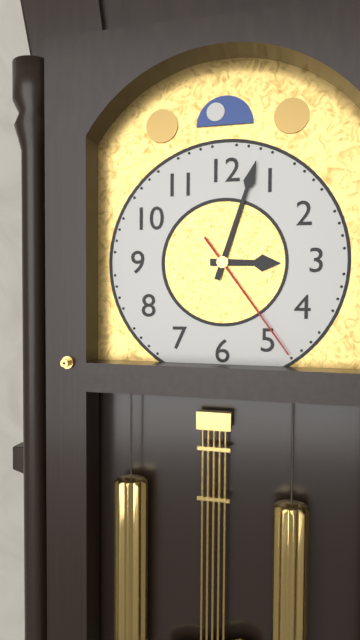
3:03:24
